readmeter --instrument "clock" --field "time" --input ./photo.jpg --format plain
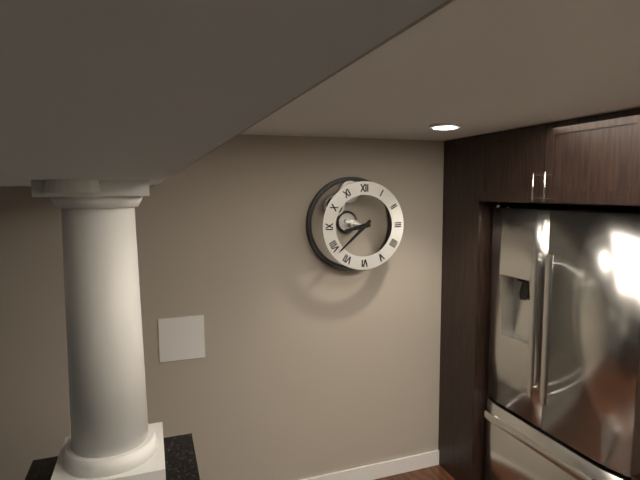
8:38
